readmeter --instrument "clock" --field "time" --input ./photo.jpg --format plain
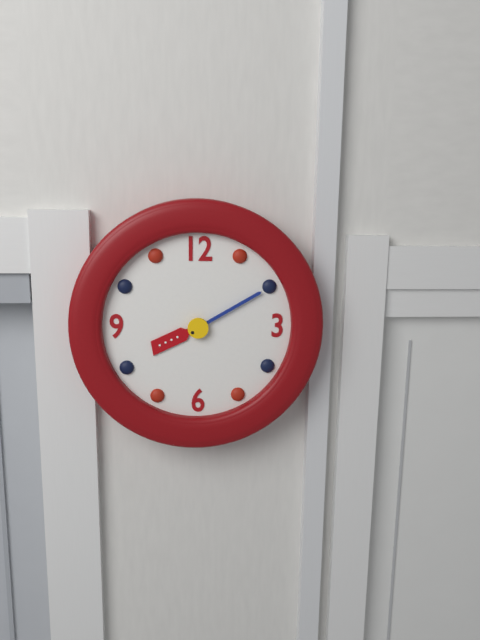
8:10
